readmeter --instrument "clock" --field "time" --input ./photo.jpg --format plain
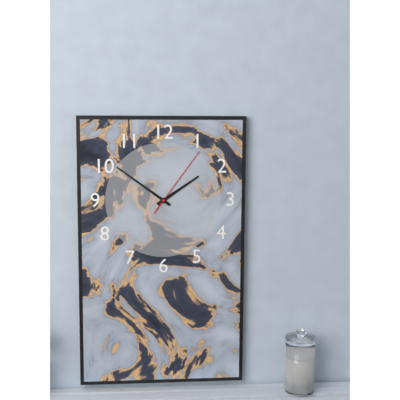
1:51:06
